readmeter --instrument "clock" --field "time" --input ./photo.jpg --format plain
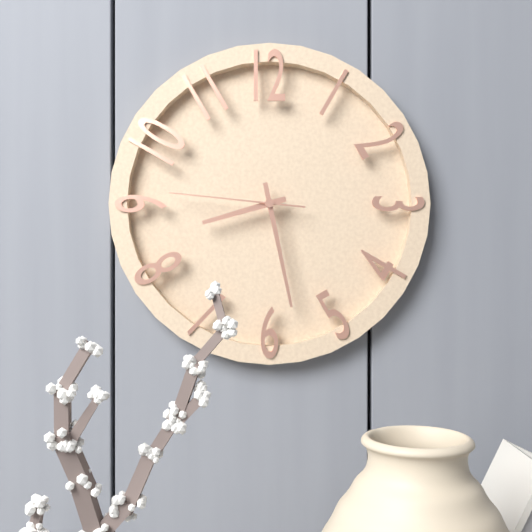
8:28:46
